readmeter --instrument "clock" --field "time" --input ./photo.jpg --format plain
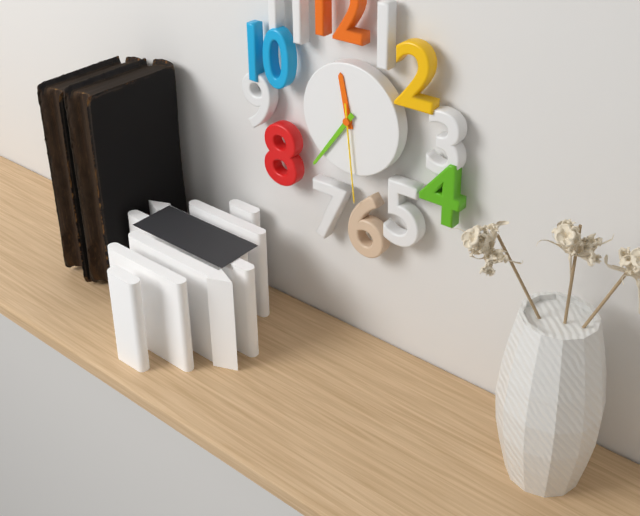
11:36:29
